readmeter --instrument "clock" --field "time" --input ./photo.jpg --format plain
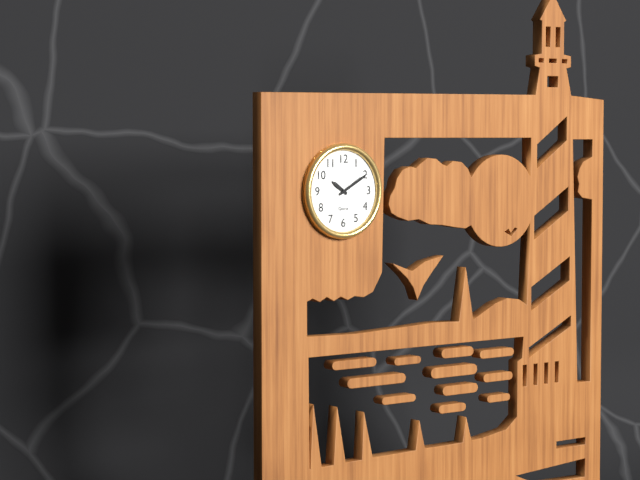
10:10
